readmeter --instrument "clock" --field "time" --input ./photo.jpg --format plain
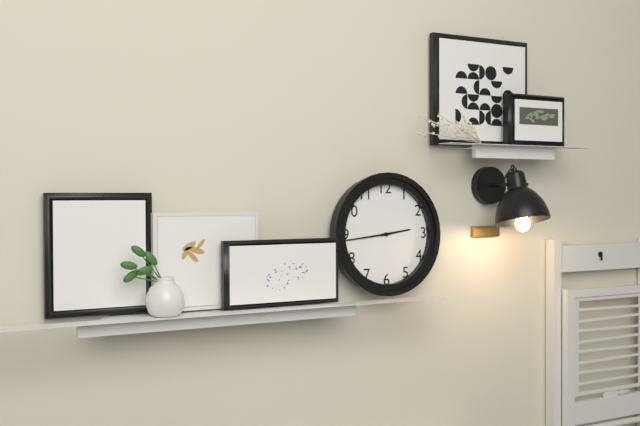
2:44
